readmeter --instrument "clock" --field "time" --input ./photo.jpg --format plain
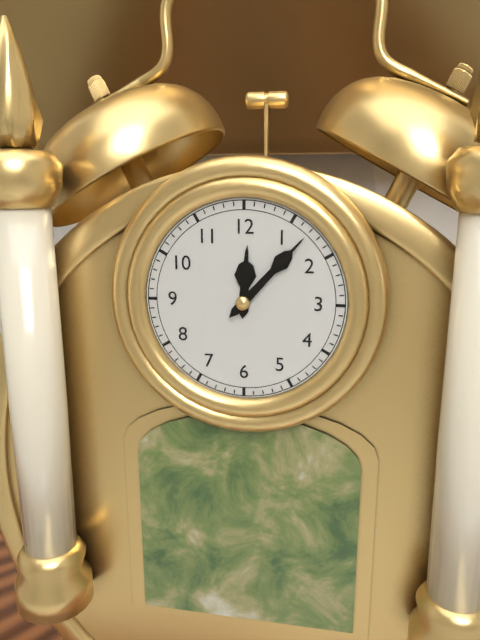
12:07
